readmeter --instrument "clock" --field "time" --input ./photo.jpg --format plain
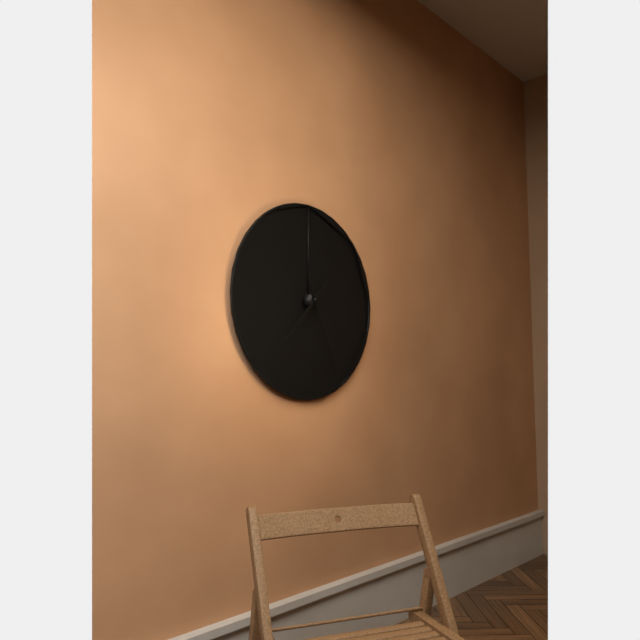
7:26
